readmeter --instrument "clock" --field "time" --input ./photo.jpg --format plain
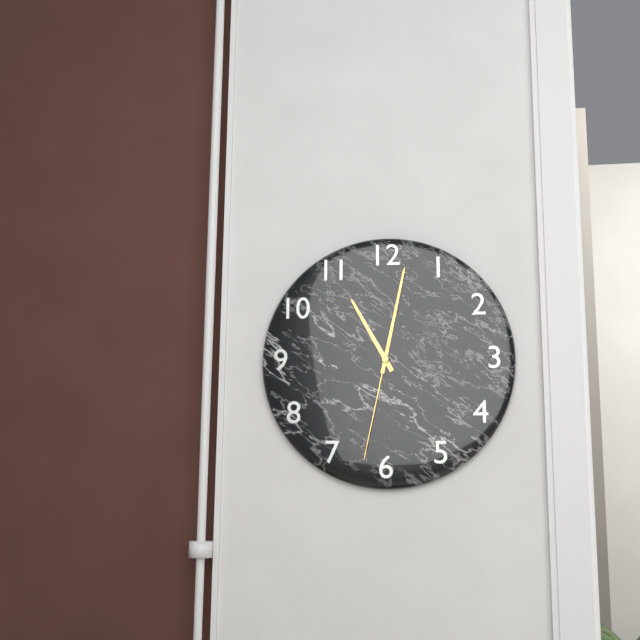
11:02:32
